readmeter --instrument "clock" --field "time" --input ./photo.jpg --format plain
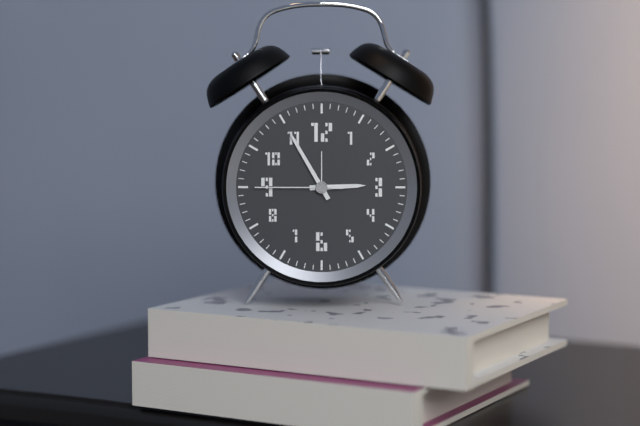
2:55:45
